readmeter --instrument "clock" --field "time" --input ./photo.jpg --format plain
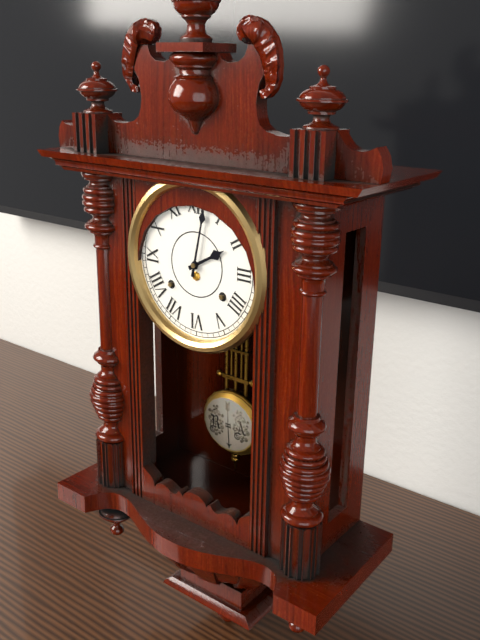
2:02
